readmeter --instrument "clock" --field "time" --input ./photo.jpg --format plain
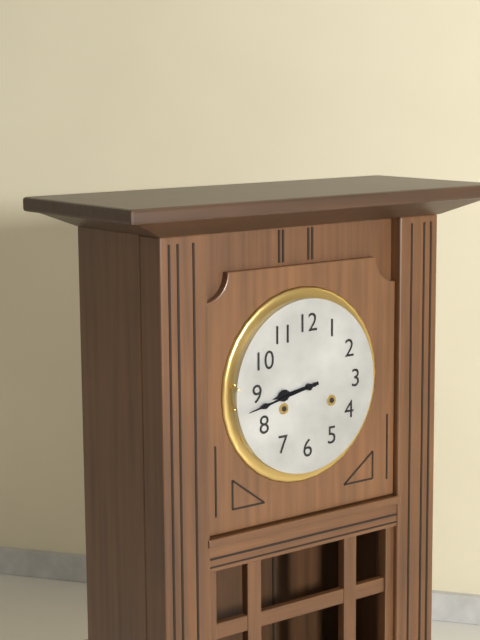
8:43
